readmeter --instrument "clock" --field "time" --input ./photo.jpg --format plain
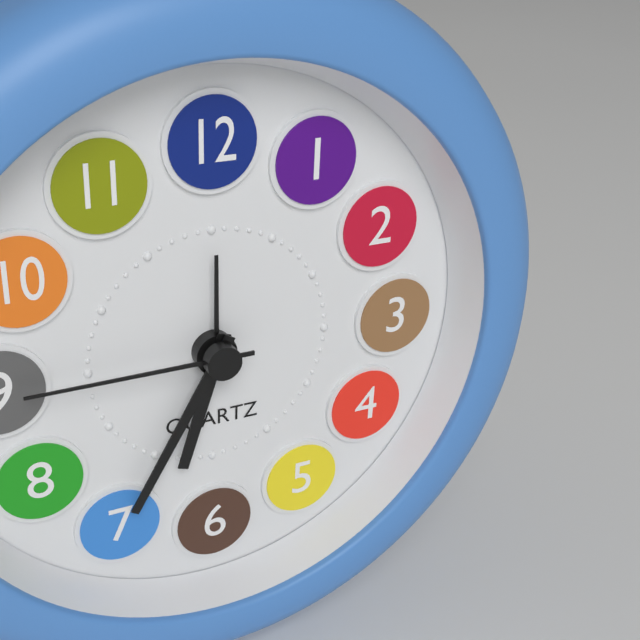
6:35:45
